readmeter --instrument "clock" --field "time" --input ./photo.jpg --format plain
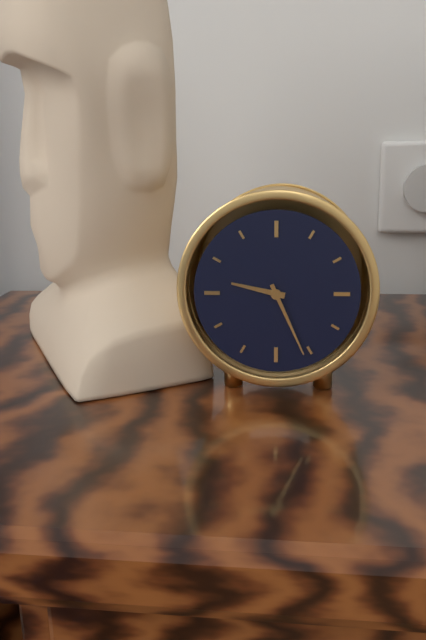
9:26
